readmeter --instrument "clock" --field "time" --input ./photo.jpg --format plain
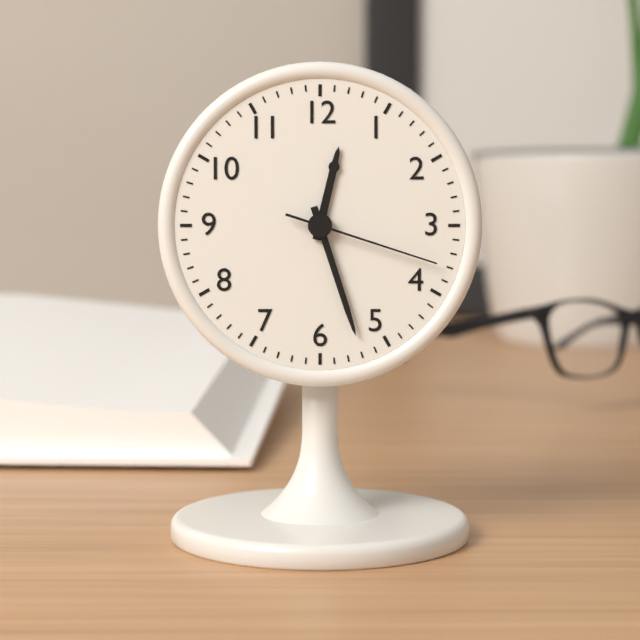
12:27:18
